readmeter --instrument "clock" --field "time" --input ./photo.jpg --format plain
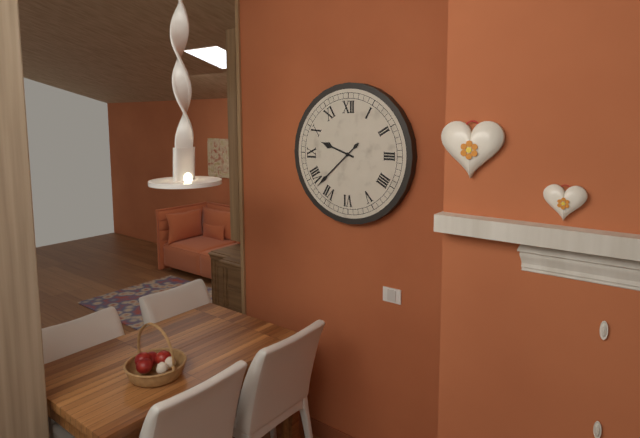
9:38
